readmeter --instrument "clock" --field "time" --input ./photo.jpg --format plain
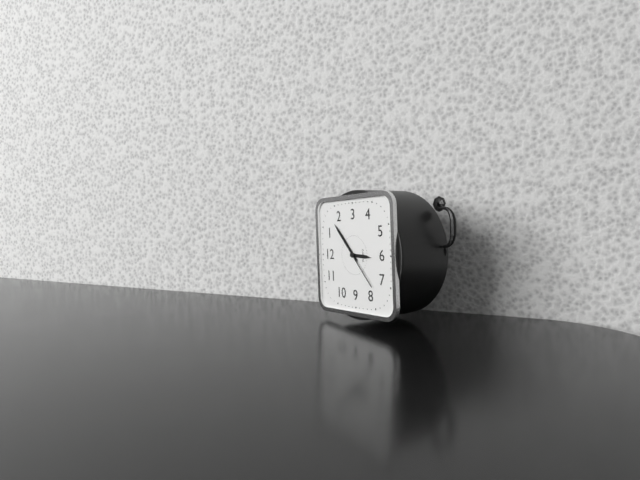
6:08
